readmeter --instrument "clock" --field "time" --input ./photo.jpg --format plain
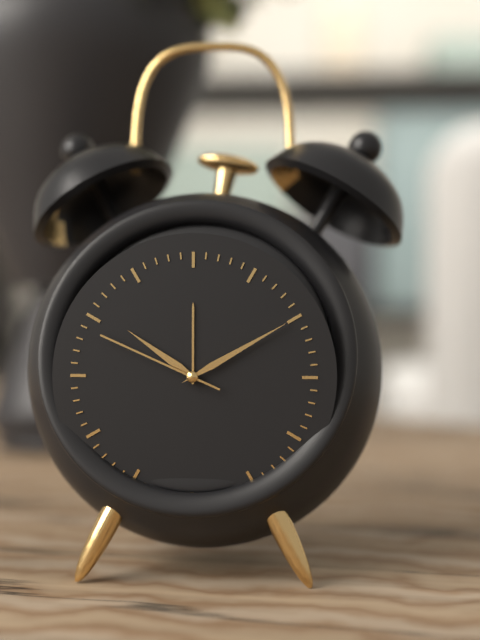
10:10:49
